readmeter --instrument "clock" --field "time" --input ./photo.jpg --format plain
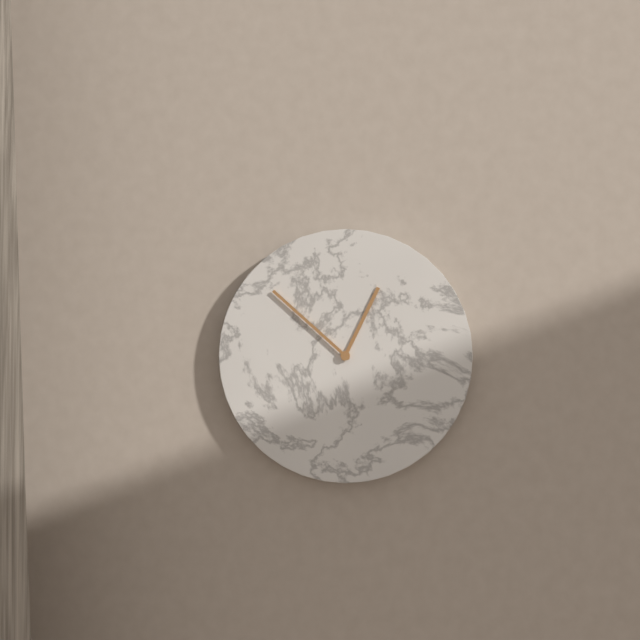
12:52
